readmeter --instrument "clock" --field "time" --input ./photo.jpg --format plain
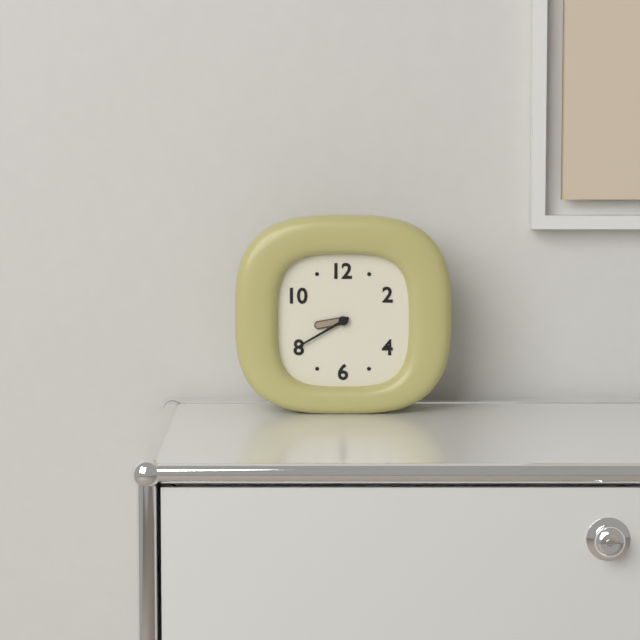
8:40
